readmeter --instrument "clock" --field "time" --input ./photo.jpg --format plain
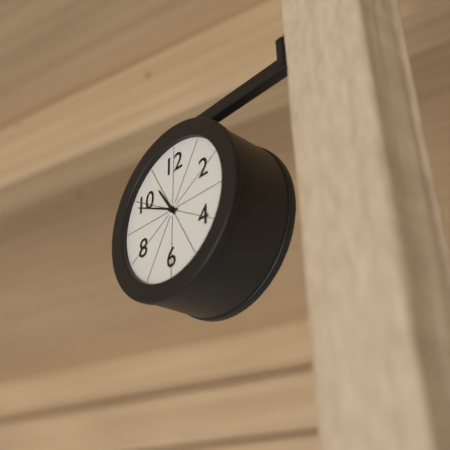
10:49
